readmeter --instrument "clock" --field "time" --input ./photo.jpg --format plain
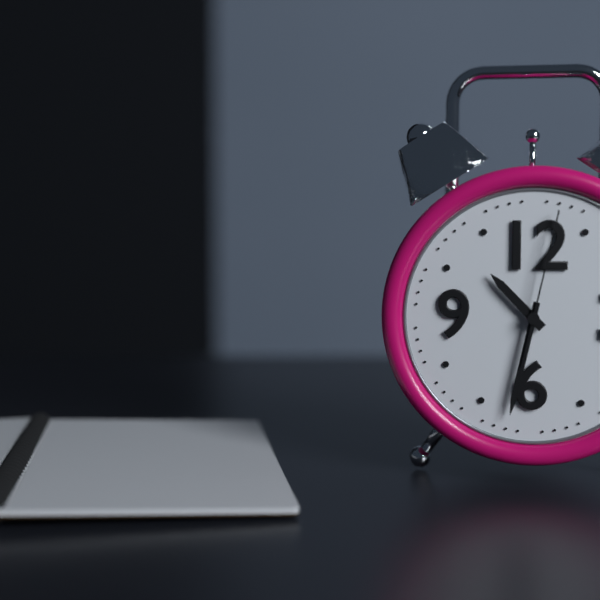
10:32:02
